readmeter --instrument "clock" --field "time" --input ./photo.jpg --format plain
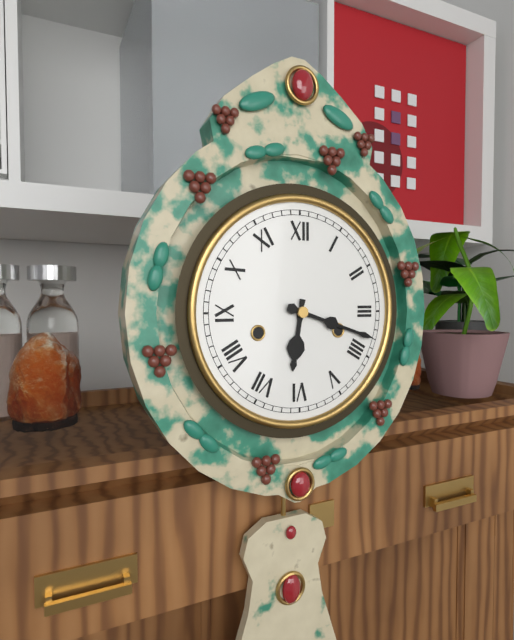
6:18
